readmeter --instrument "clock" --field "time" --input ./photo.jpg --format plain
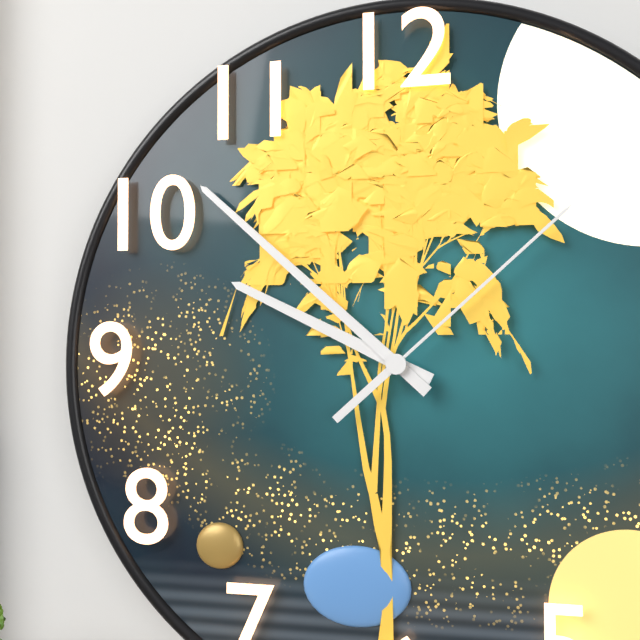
9:52:08
